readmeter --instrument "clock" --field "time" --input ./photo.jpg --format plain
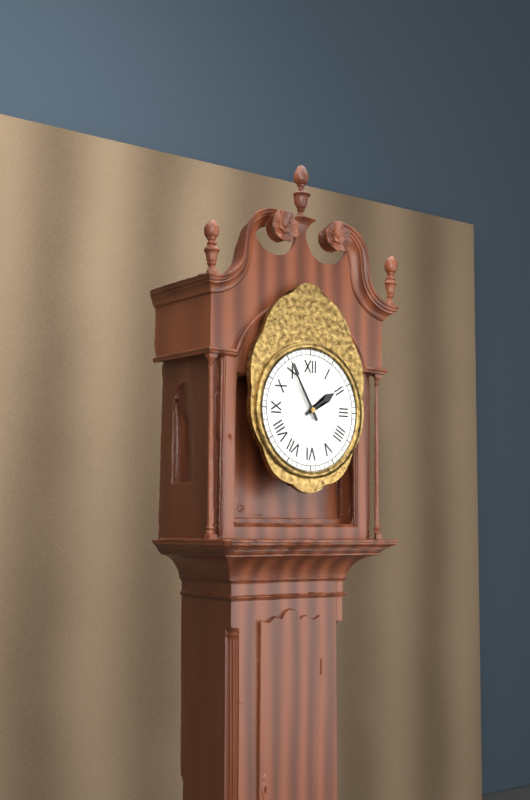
1:55
